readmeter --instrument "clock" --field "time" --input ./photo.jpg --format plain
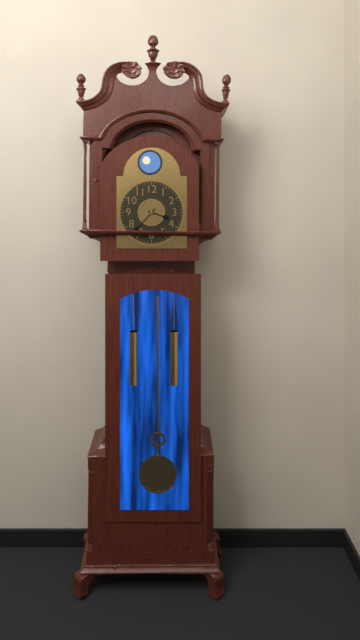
3:37
